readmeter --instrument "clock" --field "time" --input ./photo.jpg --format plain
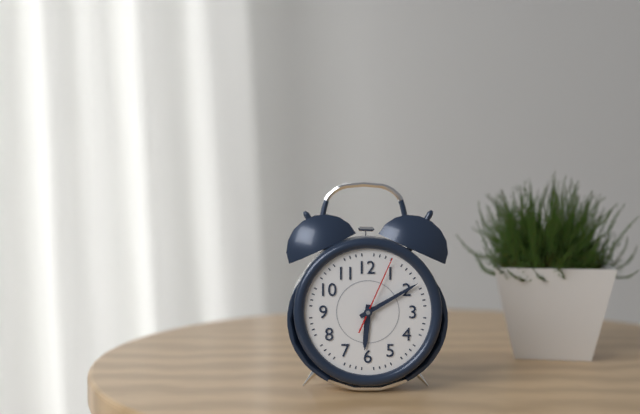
6:10:04
